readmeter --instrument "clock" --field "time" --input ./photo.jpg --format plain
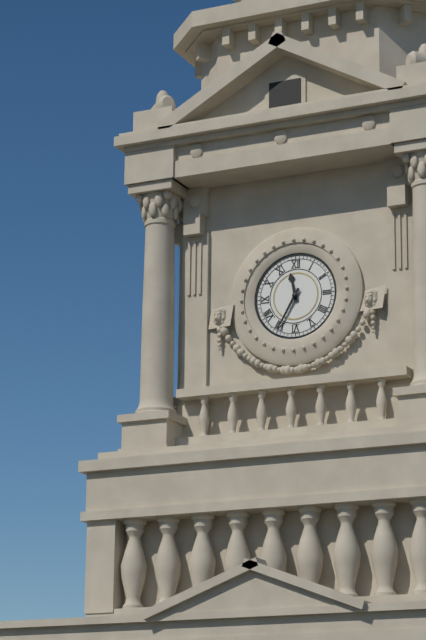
11:35
